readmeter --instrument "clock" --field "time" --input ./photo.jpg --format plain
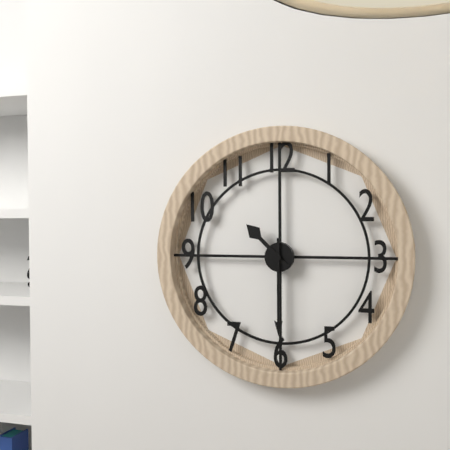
10:30
